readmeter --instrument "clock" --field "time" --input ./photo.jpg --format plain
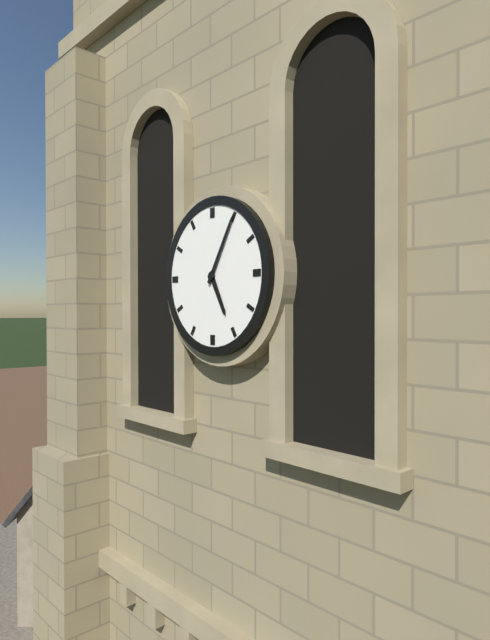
5:05
